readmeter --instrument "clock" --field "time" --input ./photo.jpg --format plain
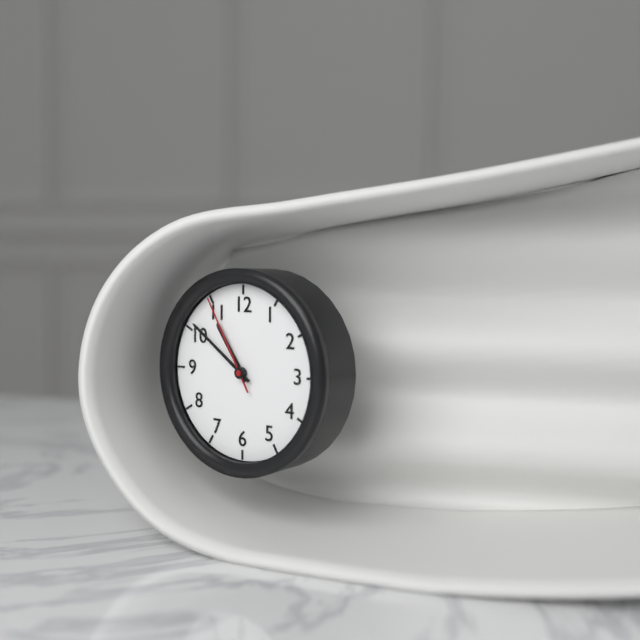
10:51:55
